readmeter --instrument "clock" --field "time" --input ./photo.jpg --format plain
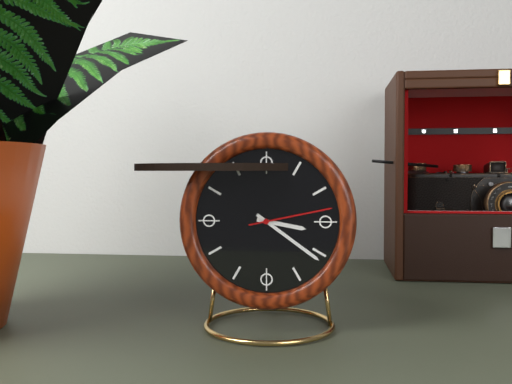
3:21:13
